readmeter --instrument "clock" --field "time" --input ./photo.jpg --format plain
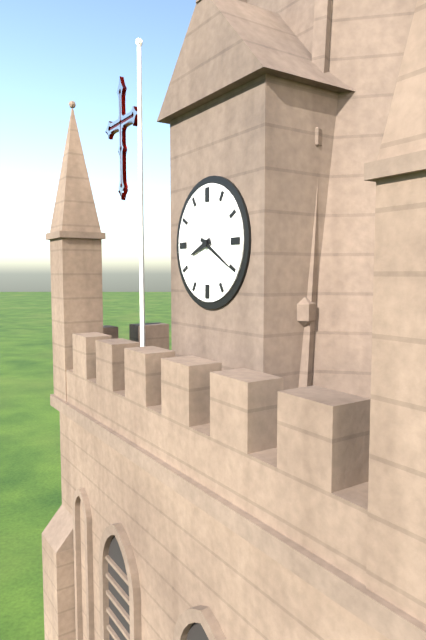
8:20
